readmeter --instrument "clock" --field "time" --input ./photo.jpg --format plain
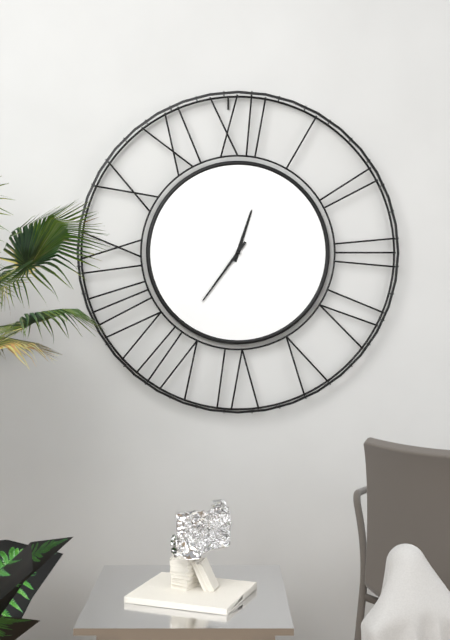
12:36
